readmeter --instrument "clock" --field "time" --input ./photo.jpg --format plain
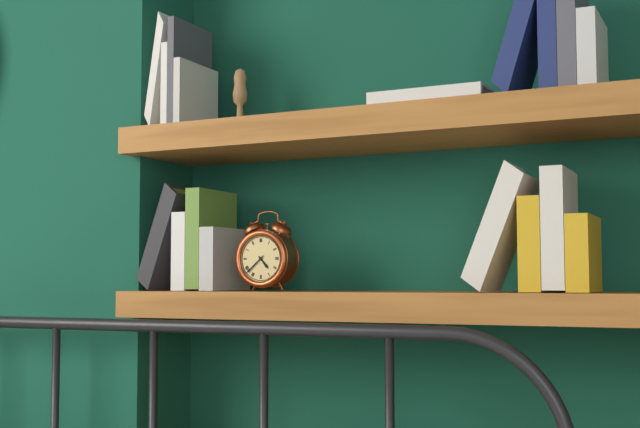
4:38
